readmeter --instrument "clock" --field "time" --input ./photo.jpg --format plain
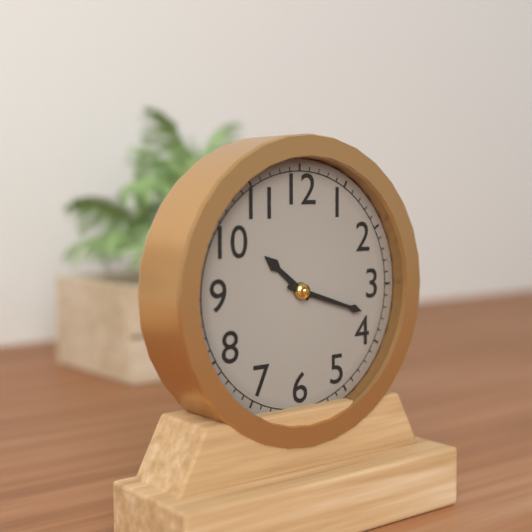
10:18
